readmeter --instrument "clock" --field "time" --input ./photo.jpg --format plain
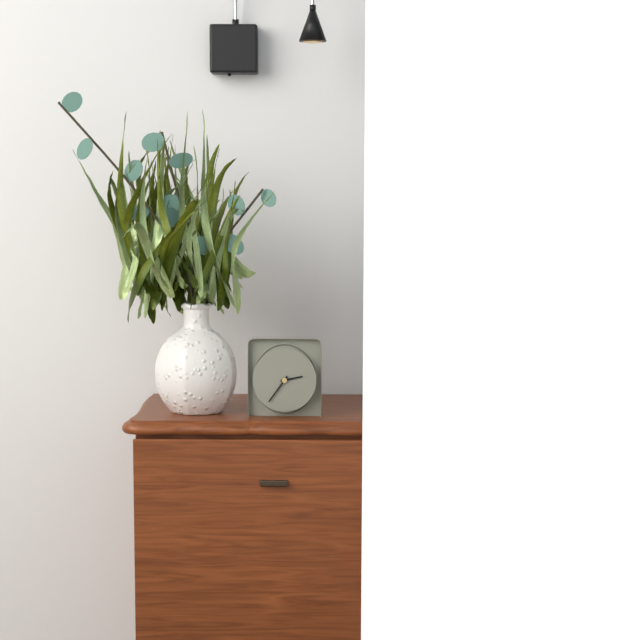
2:36
